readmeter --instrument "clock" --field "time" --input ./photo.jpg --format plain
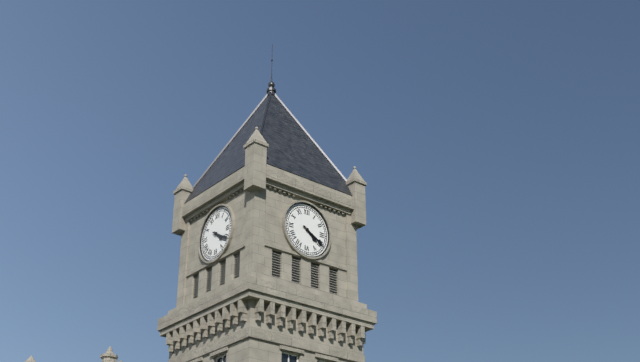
4:20
